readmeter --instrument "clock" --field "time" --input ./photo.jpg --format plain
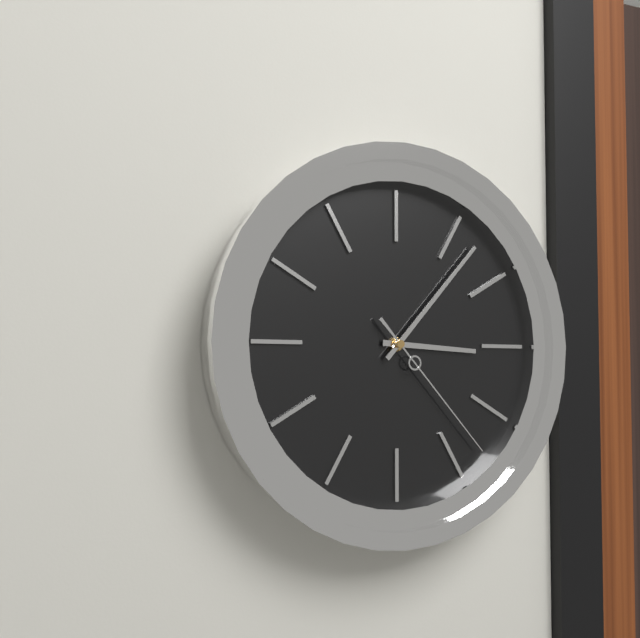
3:07:23
